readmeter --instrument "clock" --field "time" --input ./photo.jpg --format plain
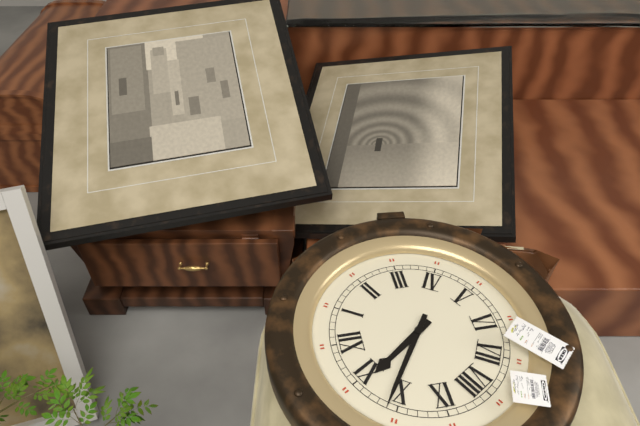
10:51
